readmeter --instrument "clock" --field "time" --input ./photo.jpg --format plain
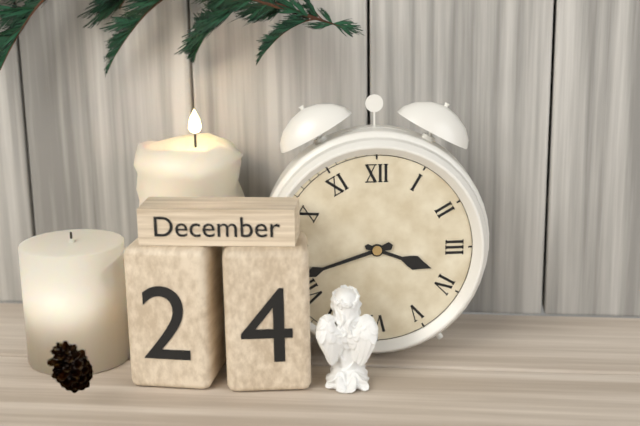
3:42
